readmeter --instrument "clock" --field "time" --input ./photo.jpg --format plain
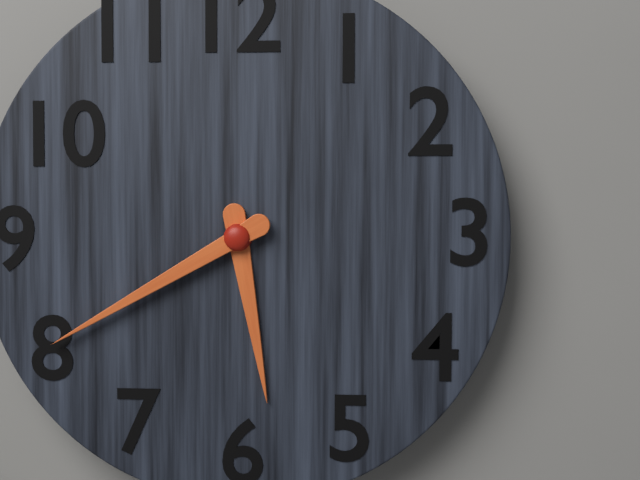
5:40
